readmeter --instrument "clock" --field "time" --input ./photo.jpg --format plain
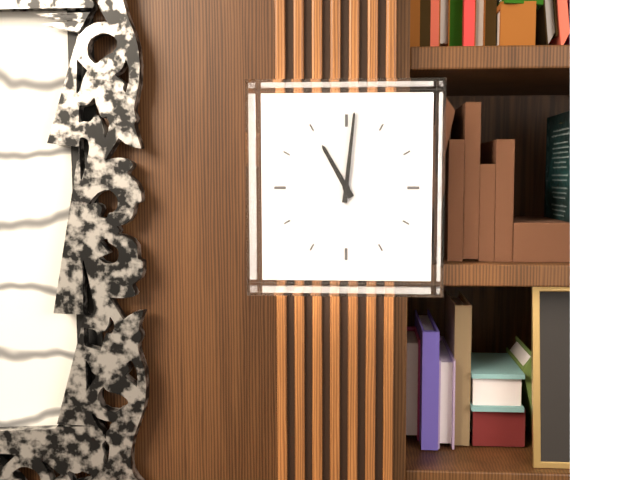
11:01
